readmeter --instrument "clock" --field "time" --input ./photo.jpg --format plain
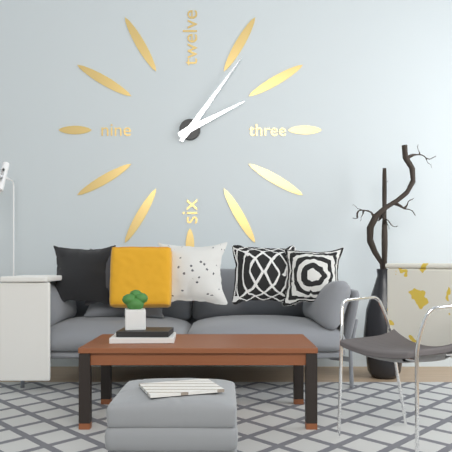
2:06
